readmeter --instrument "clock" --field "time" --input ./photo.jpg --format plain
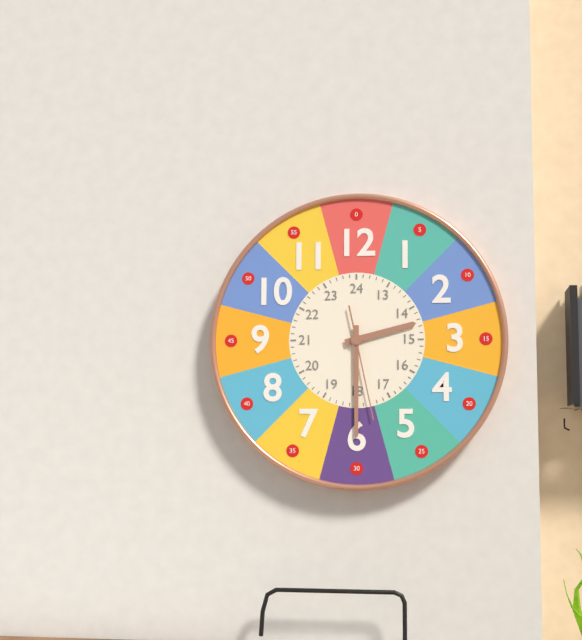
2:30:28
